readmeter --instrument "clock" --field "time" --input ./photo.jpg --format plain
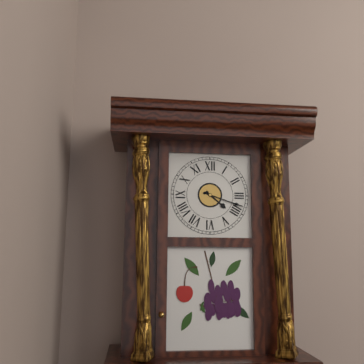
4:18
